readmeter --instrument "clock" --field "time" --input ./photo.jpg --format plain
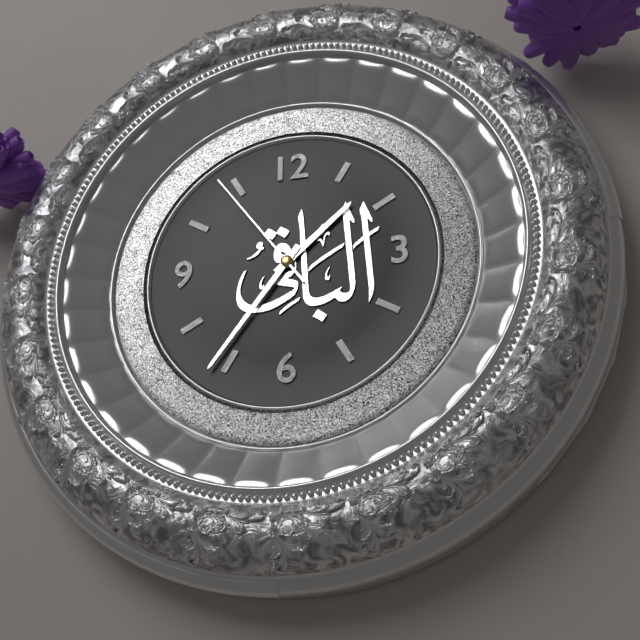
1:36:54
